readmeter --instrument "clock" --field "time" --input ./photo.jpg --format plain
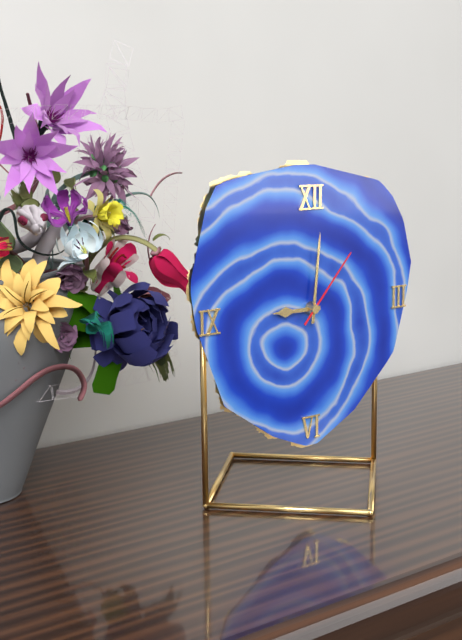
9:01:07
